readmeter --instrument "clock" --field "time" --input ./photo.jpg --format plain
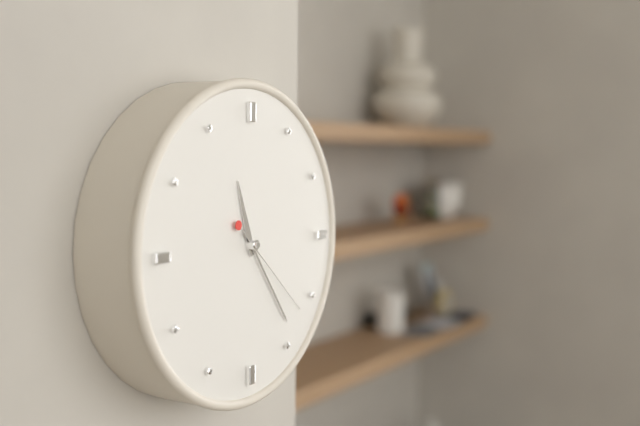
11:24:22
